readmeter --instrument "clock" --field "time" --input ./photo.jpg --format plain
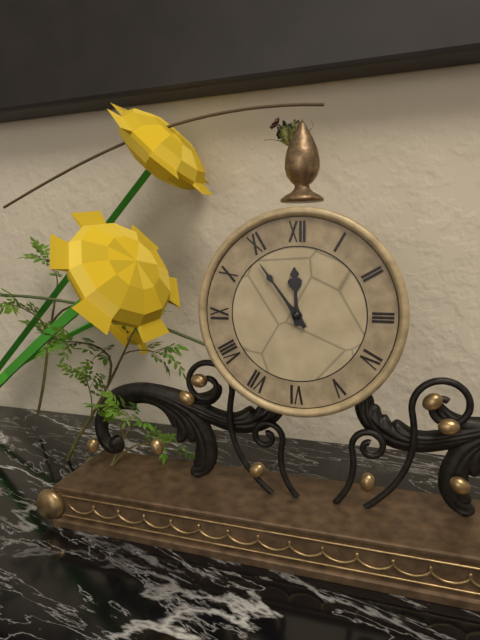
11:54
